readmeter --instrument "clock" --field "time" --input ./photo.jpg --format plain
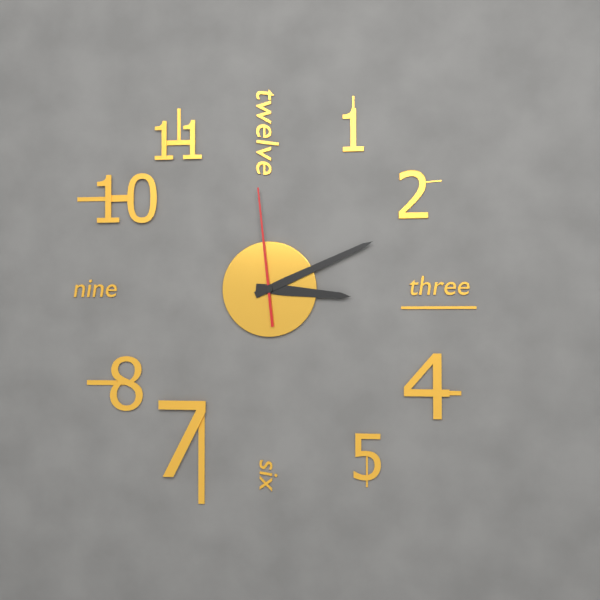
3:11:59
